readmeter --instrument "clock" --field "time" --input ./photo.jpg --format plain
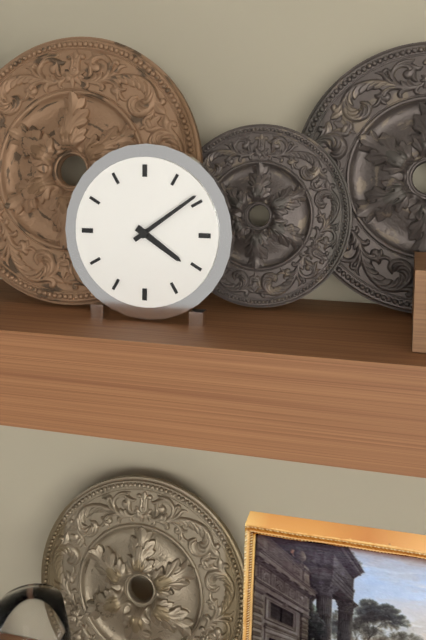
4:09
